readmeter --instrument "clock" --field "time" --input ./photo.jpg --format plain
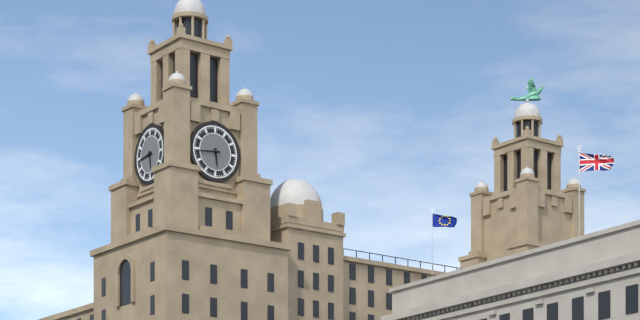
5:44
